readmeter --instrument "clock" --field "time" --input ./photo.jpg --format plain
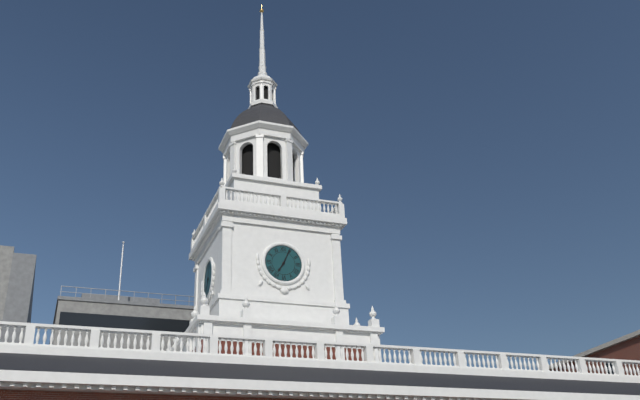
7:04
